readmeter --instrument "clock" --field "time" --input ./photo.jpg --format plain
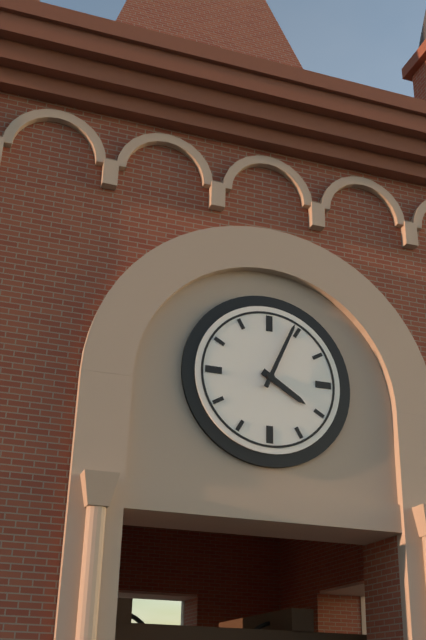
4:04
